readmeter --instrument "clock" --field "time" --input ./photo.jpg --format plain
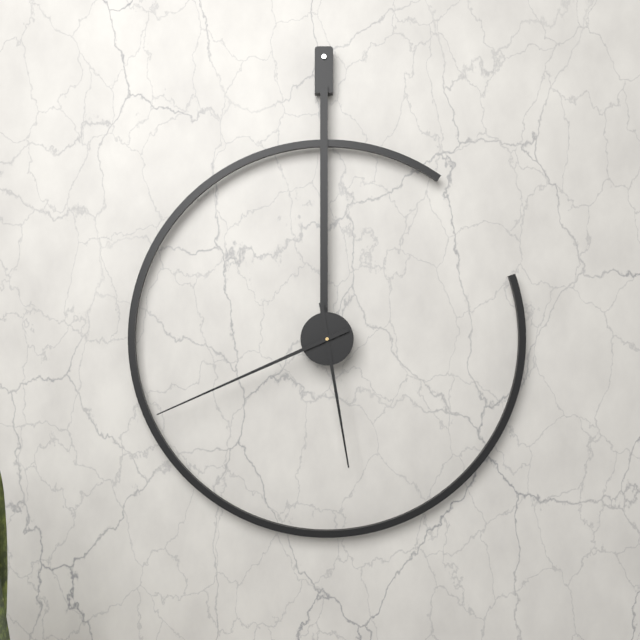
5:41
